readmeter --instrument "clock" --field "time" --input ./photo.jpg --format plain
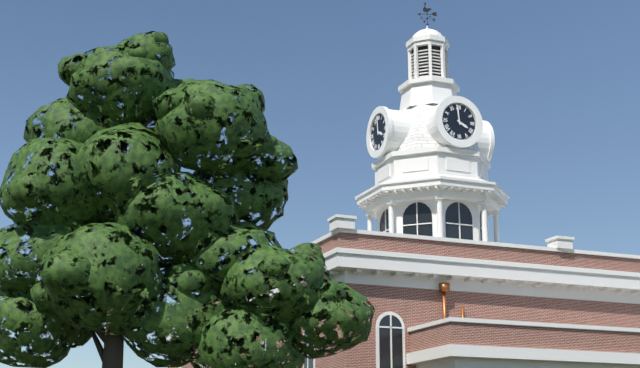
3:59
